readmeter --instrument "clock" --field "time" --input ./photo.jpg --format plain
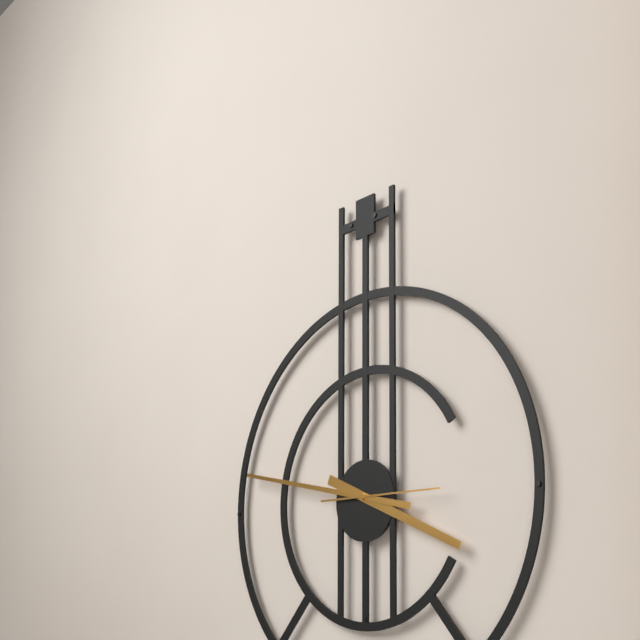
3:47:15
